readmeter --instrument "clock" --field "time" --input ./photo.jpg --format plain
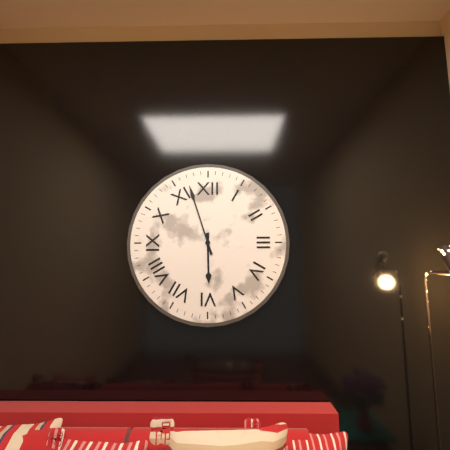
5:57
